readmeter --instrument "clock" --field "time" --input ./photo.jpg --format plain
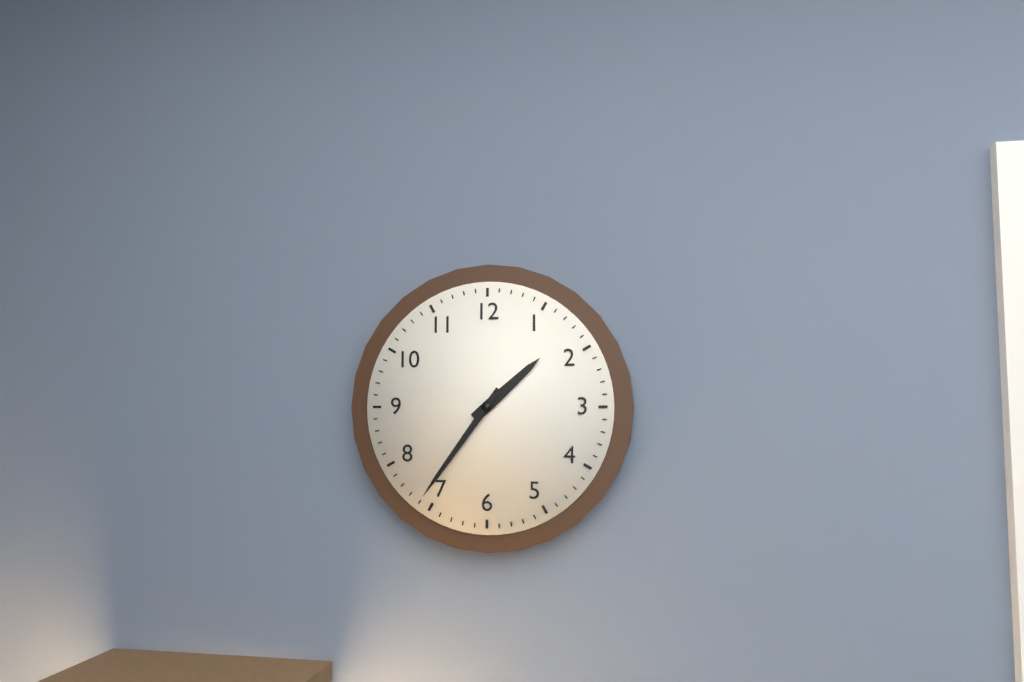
1:36
